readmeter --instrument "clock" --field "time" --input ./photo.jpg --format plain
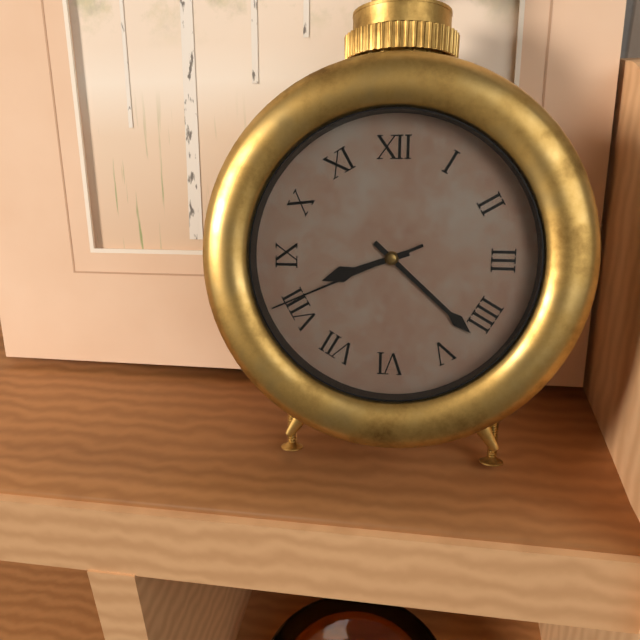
8:22:41
